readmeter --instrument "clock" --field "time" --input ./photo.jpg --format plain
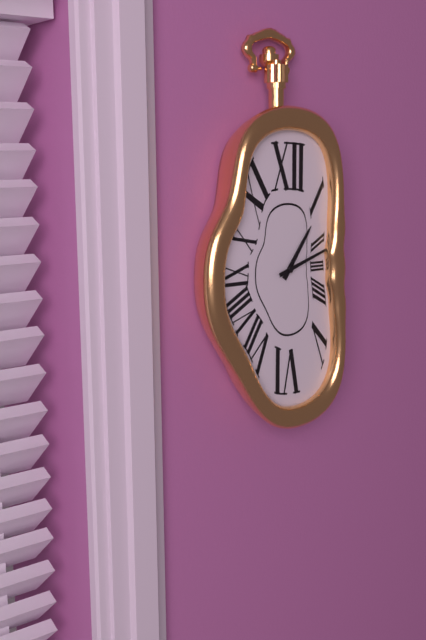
1:12
